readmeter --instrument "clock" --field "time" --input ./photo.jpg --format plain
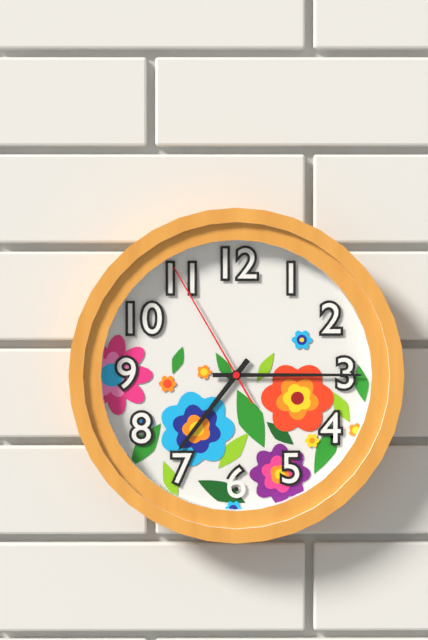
7:15:55
